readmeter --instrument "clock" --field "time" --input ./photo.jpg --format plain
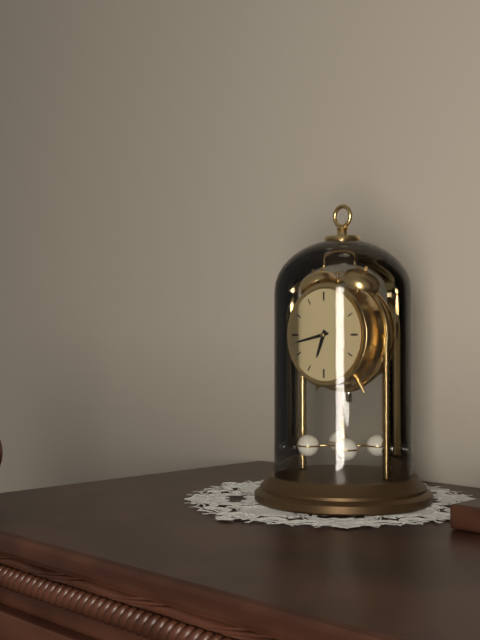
6:43
